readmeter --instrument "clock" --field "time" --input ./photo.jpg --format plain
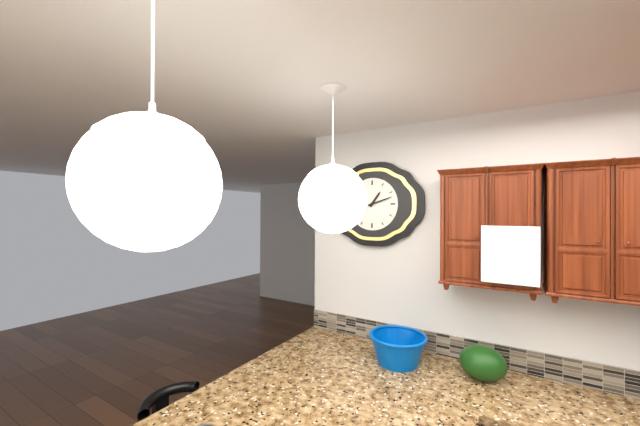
1:12
